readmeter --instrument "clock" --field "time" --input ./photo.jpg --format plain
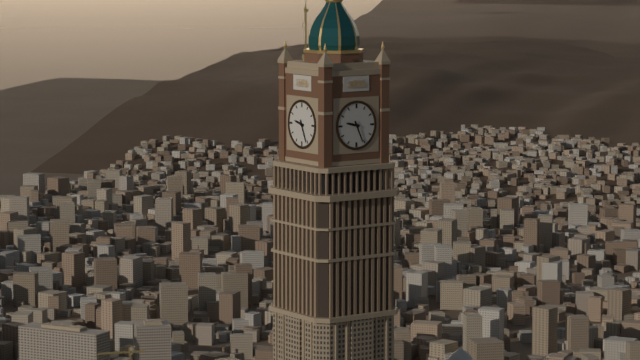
9:26
